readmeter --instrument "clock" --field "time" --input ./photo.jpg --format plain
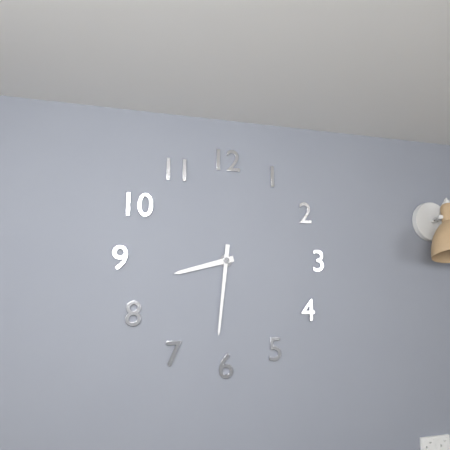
8:31
